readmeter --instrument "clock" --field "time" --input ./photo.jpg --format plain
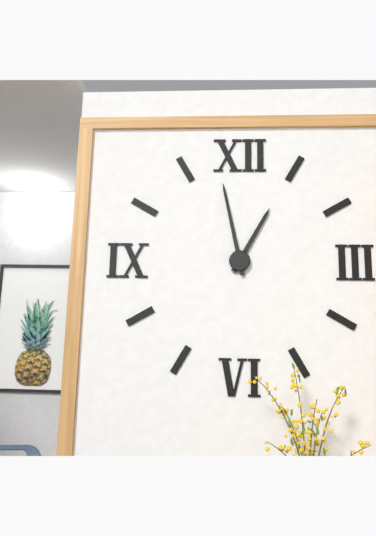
12:58
